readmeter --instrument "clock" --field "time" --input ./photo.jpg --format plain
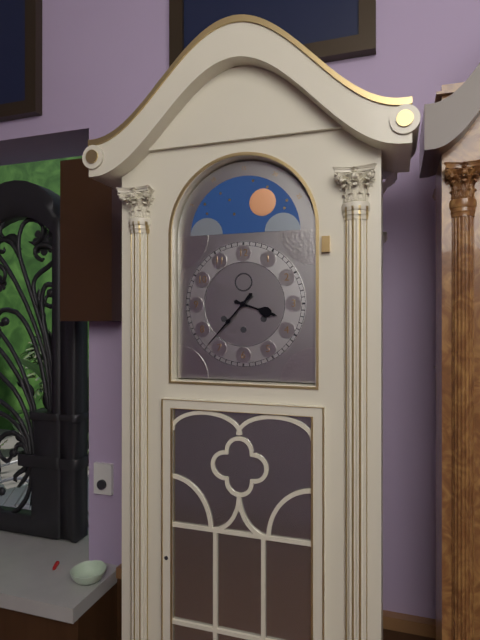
3:37
